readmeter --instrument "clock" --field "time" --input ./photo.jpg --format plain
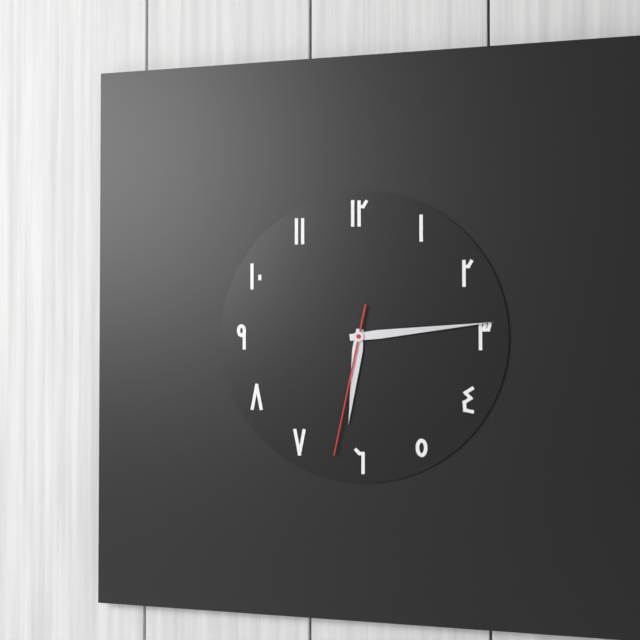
6:14:32
